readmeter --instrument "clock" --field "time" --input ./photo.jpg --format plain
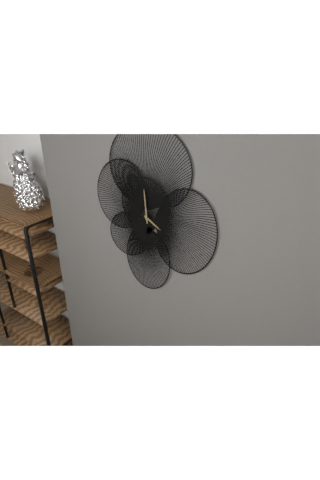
3:59
